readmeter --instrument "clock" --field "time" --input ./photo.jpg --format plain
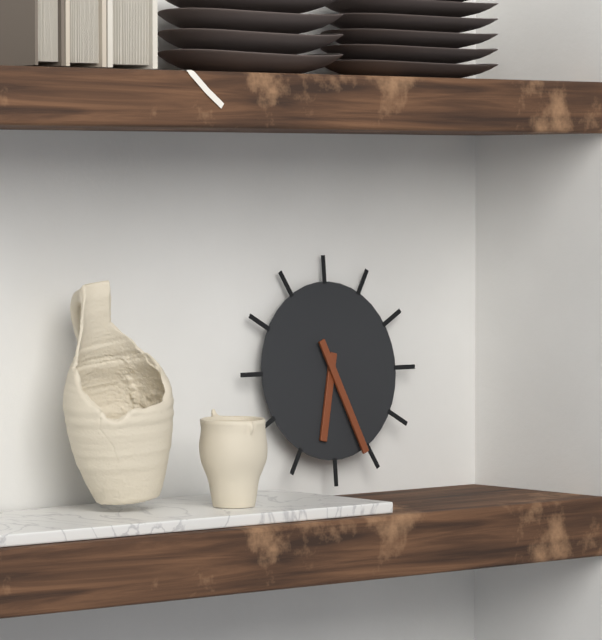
6:26
